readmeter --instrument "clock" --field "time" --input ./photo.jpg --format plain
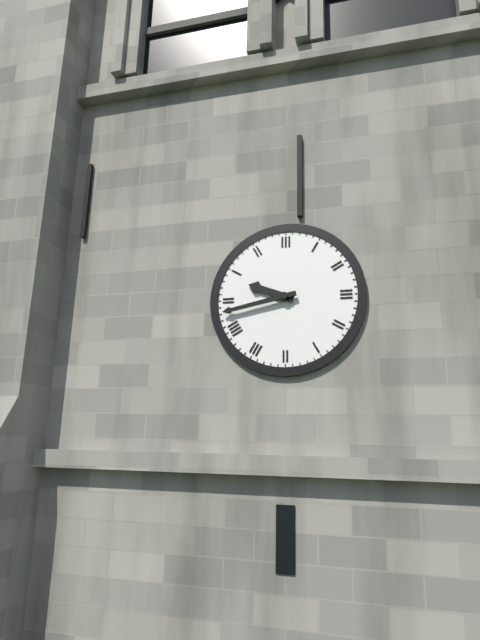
9:43
